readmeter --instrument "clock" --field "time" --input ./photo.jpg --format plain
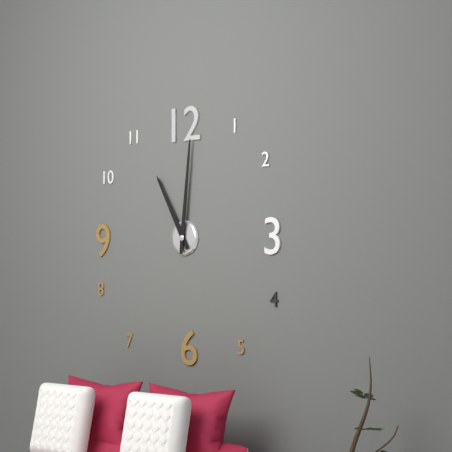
11:01
